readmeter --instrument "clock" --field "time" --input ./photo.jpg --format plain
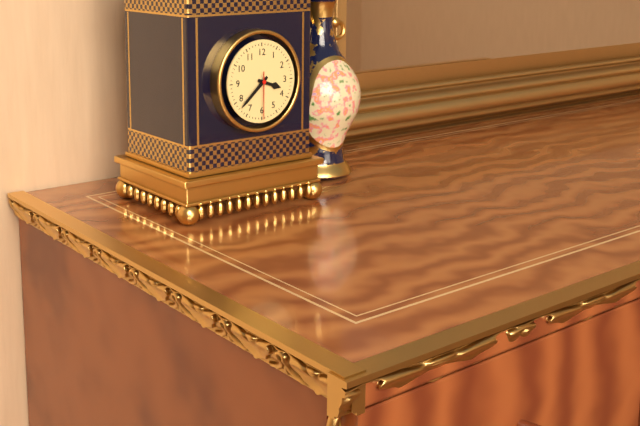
3:38
